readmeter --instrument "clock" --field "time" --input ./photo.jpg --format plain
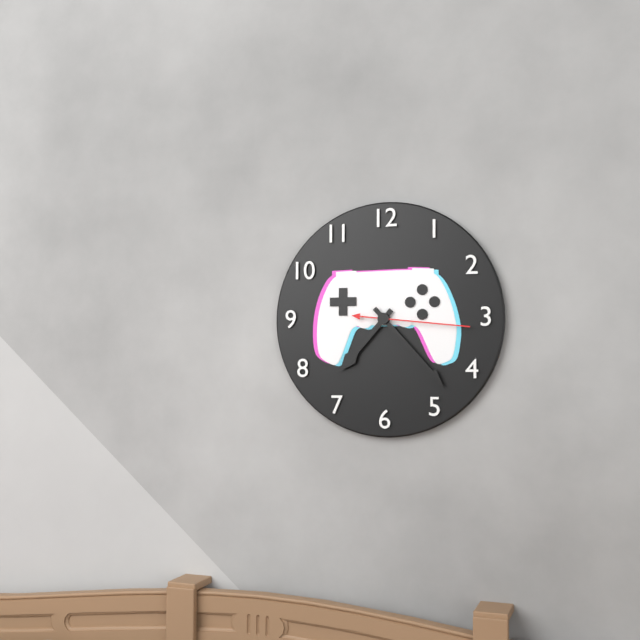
7:23:16
